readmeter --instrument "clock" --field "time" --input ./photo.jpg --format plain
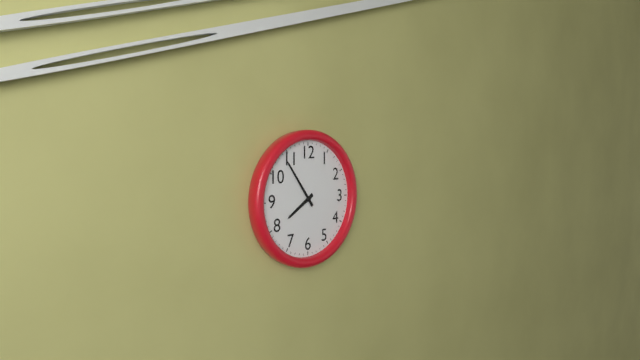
7:54
